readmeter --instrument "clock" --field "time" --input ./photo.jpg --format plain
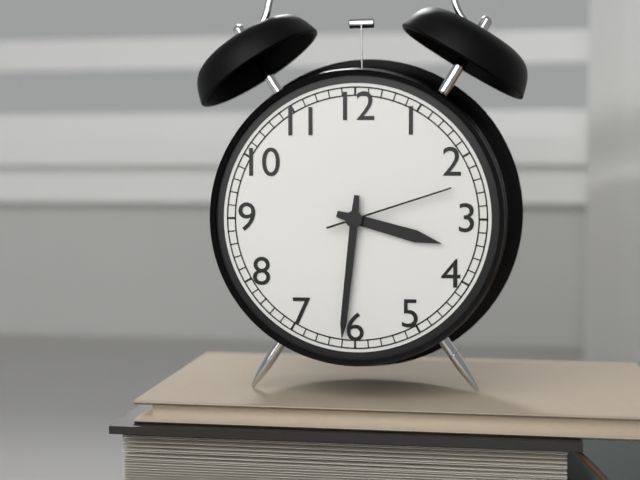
3:31:12
